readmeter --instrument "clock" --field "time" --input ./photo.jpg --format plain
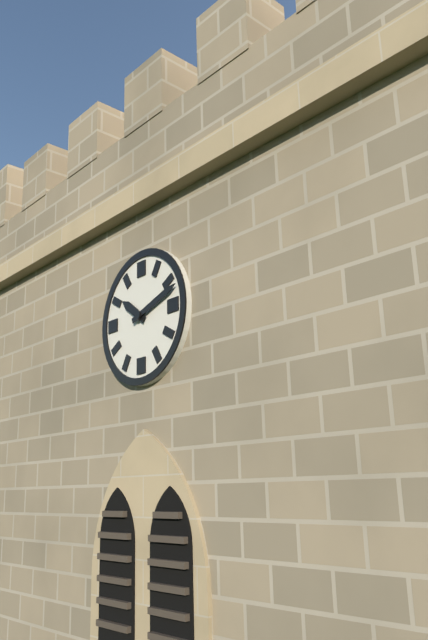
10:12
